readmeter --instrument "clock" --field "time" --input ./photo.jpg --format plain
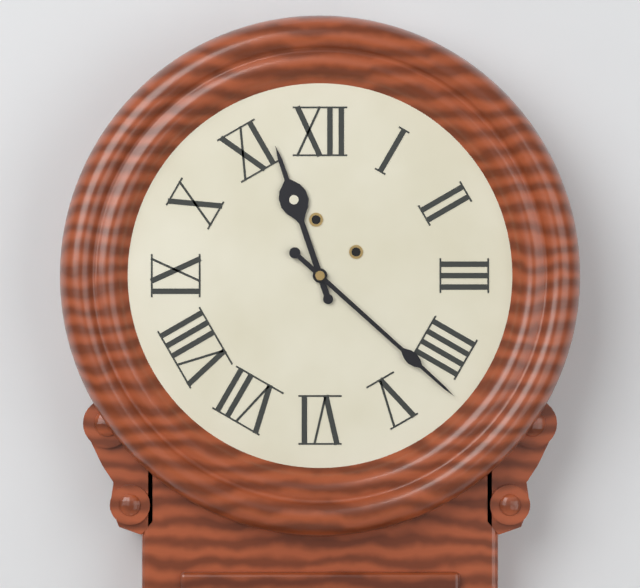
11:22
